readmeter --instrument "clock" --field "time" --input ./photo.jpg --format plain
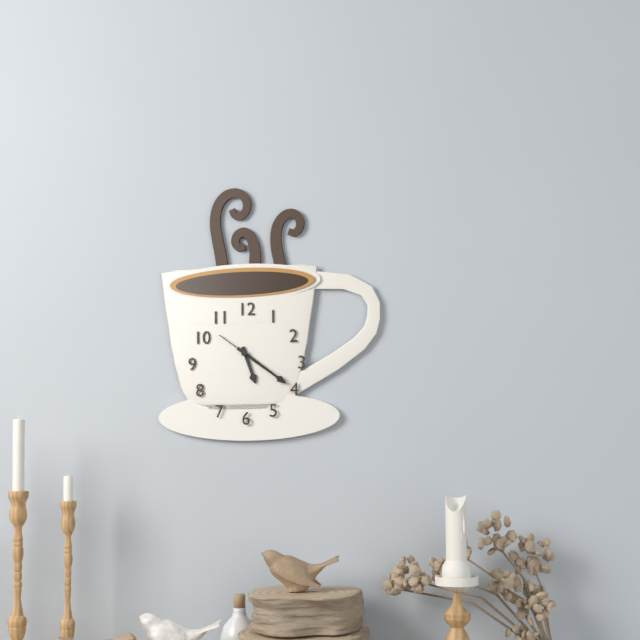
5:21:21
